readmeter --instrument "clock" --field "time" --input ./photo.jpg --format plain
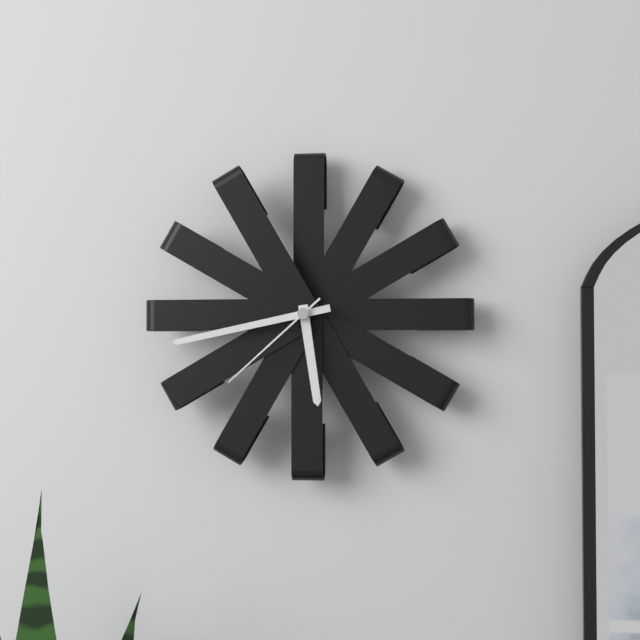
5:43:38
